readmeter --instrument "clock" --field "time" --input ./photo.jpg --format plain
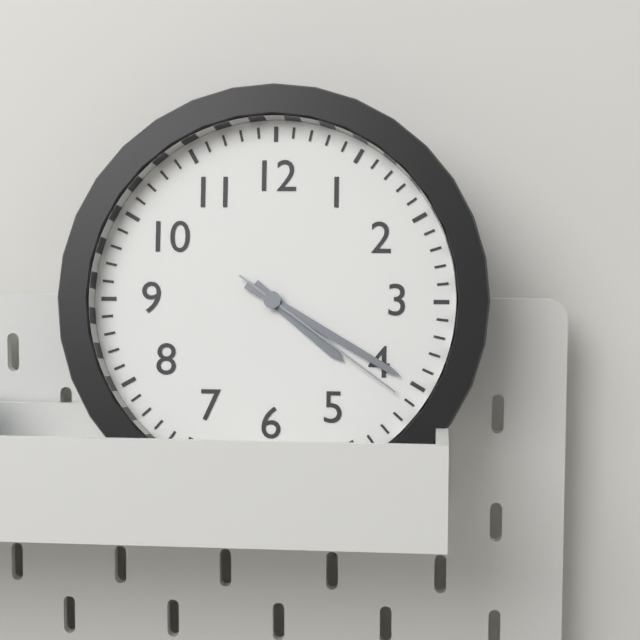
4:20:21
